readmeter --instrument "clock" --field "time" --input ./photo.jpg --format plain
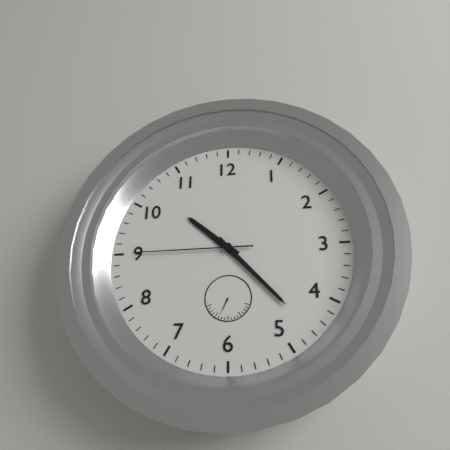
10:23:45
